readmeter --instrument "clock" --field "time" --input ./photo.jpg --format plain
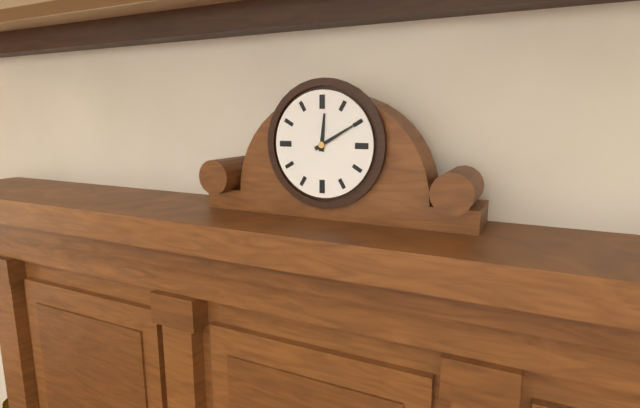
12:10
